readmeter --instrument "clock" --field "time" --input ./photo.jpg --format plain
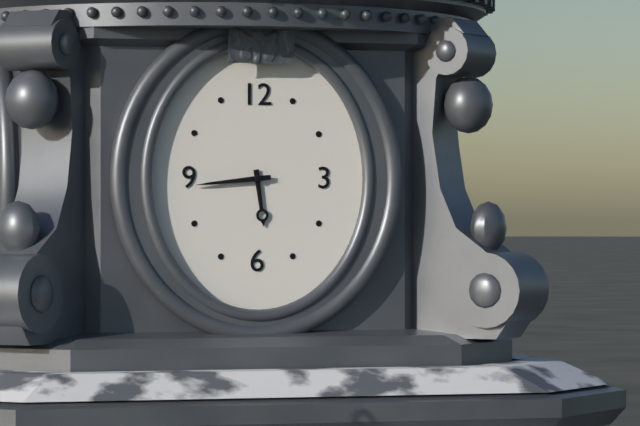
5:44
